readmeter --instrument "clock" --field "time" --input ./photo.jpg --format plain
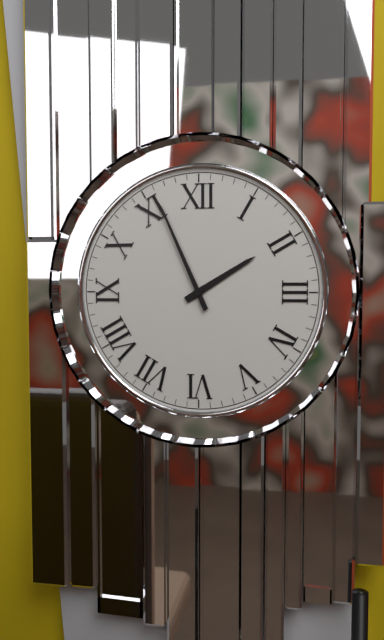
1:56
